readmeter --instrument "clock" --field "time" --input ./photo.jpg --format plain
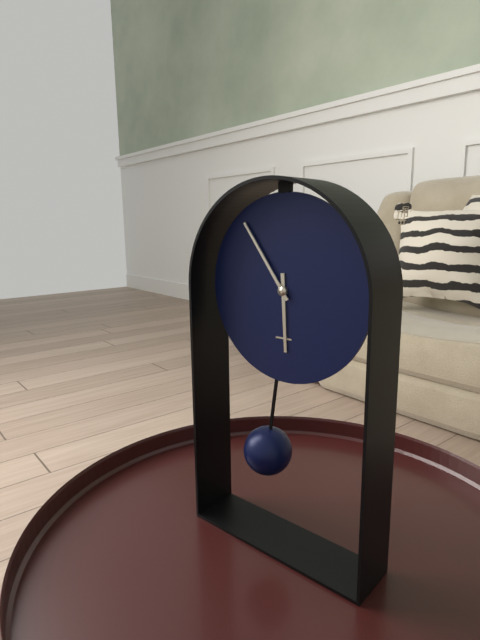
5:54
